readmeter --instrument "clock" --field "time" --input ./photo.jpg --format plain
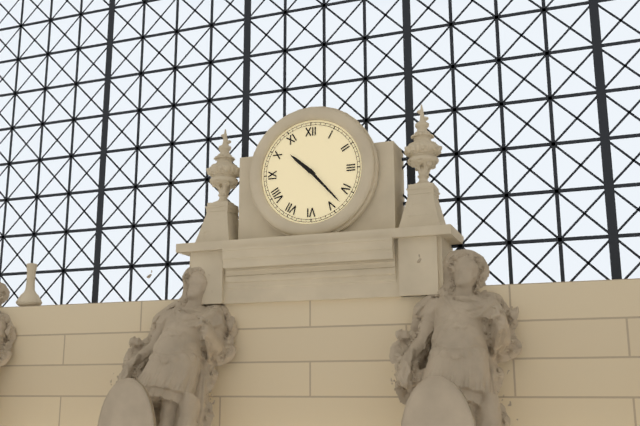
10:23
